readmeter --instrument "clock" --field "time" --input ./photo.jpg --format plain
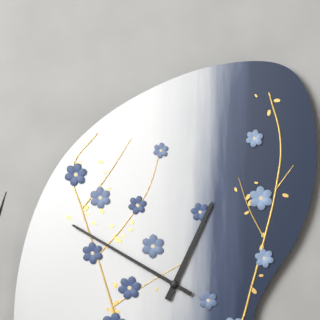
12:50
